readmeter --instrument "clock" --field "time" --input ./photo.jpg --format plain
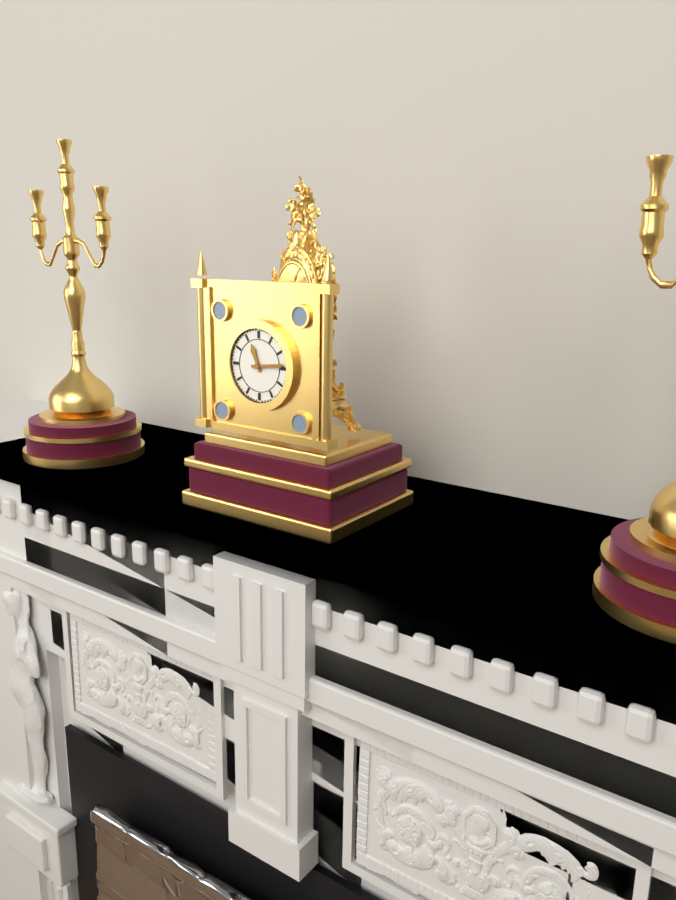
11:14
